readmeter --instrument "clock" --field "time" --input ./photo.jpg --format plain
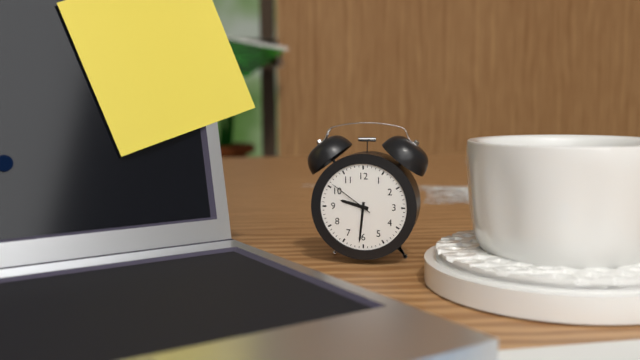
9:31
